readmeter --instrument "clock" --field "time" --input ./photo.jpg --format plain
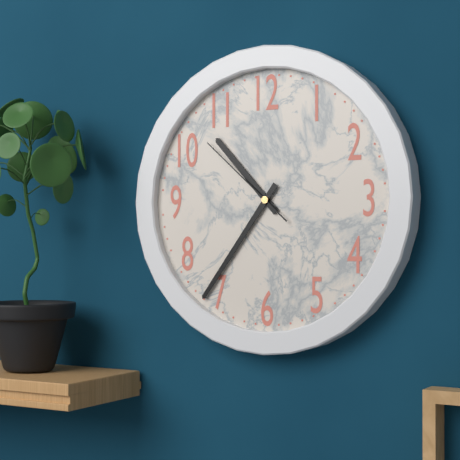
10:36:52
